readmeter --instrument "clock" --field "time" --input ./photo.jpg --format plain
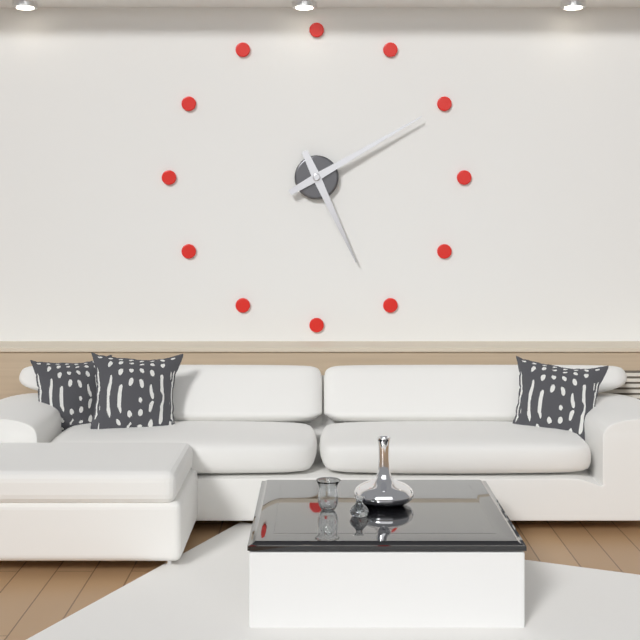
5:10
